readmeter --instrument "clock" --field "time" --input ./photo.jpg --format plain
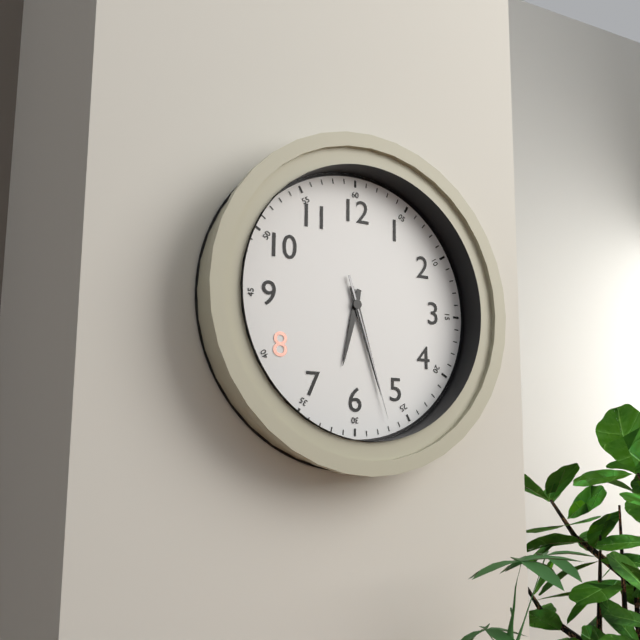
6:27:27
